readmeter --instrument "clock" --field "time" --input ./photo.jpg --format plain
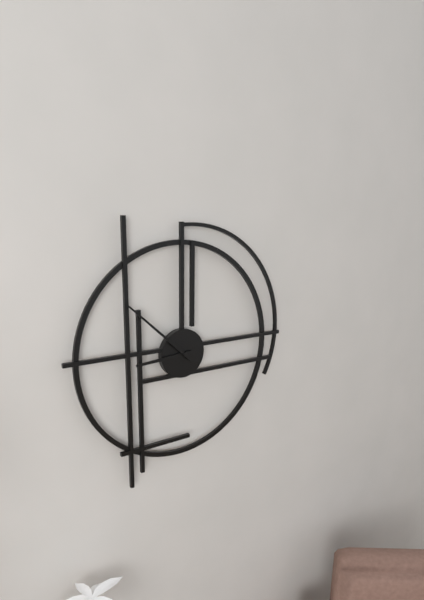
8:52
